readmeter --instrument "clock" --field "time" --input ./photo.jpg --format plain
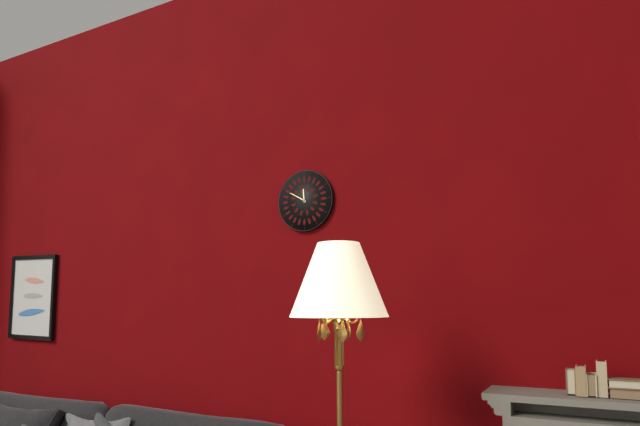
11:50
